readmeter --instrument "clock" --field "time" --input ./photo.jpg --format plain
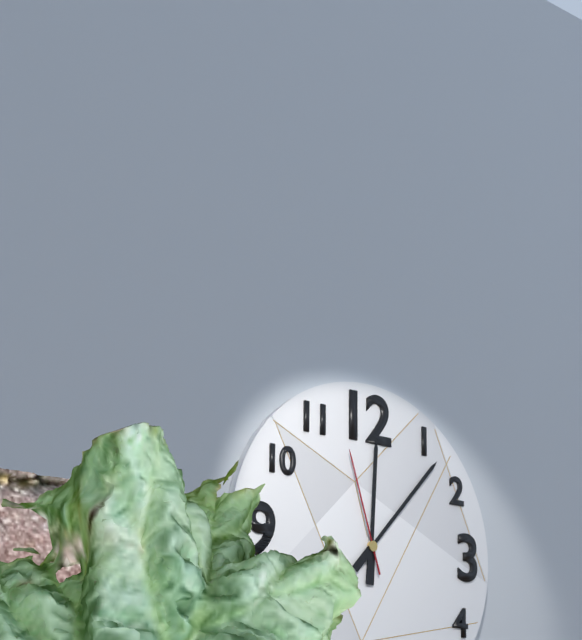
12:07:57
